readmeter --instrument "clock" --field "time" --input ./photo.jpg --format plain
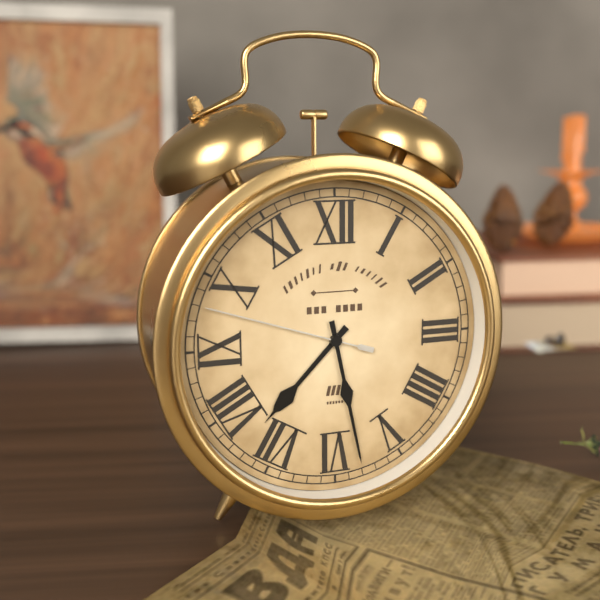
7:28:48
